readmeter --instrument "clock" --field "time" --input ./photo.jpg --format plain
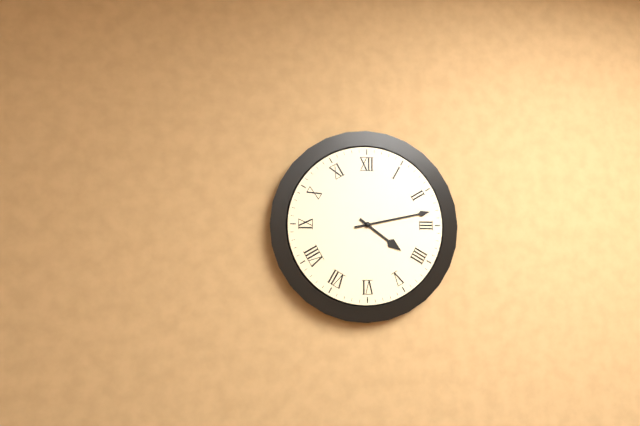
4:13
